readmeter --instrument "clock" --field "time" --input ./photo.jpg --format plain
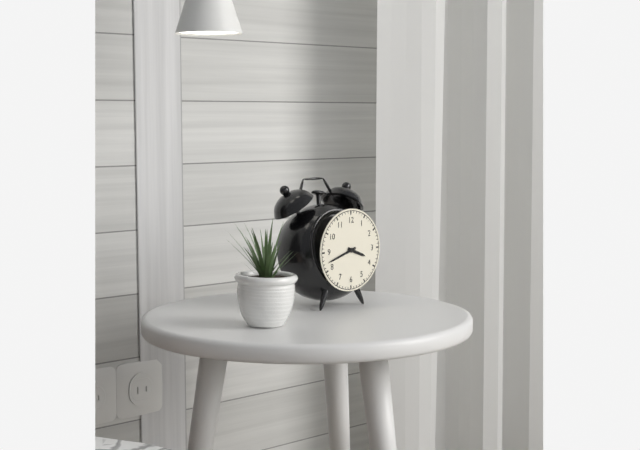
3:42
